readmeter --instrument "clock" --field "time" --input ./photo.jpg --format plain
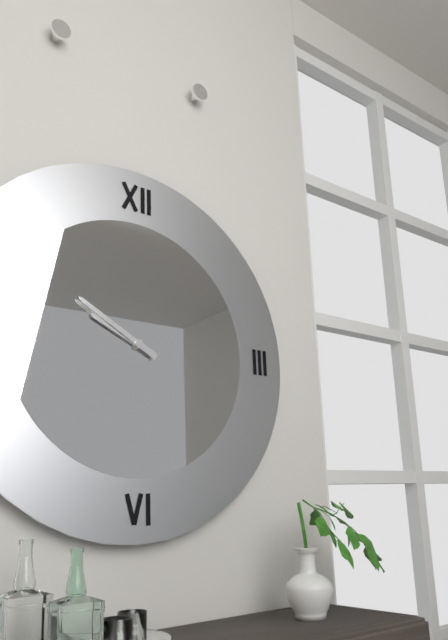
9:50
